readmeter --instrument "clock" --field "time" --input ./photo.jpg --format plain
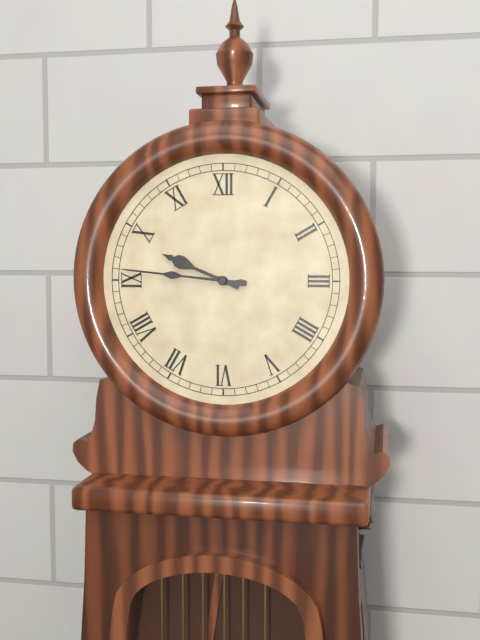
9:46
